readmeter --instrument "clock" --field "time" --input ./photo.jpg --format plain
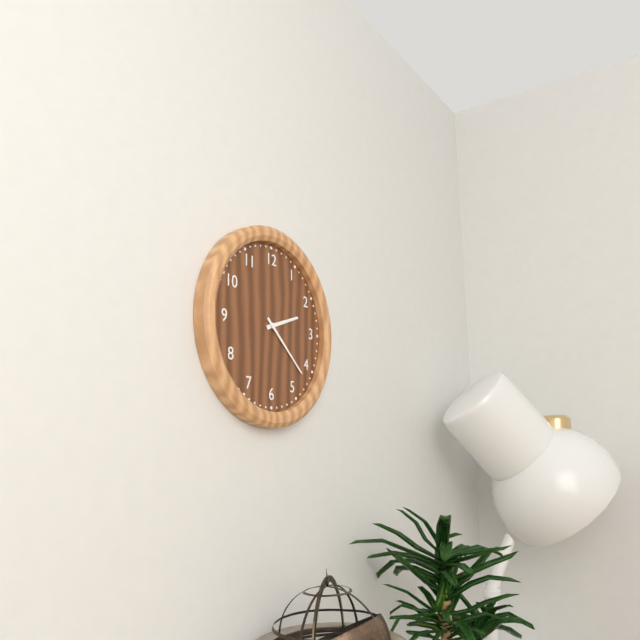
2:22
